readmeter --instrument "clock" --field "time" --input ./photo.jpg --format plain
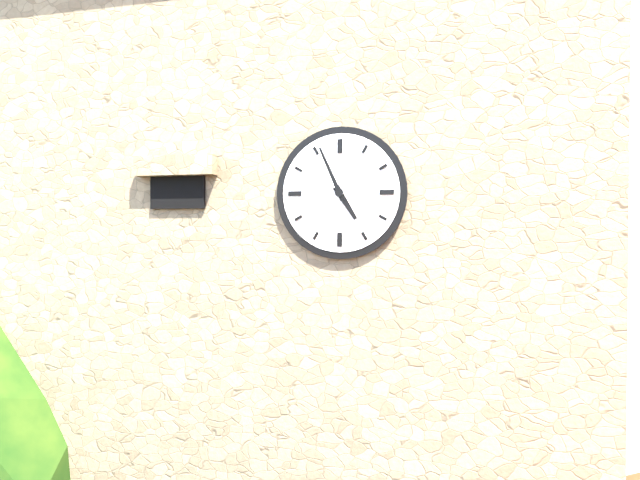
4:56
